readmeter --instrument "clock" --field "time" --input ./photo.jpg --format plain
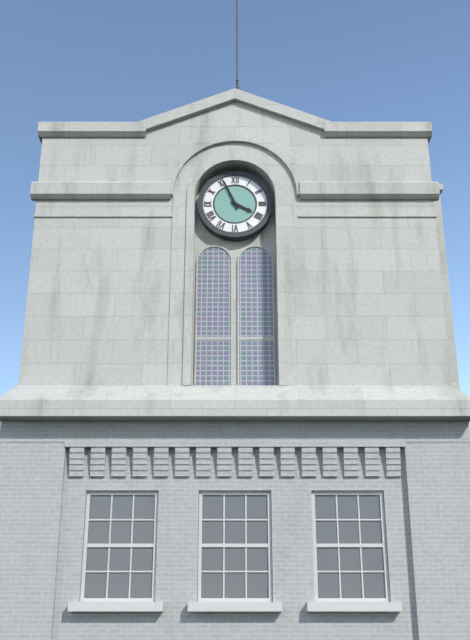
3:56
